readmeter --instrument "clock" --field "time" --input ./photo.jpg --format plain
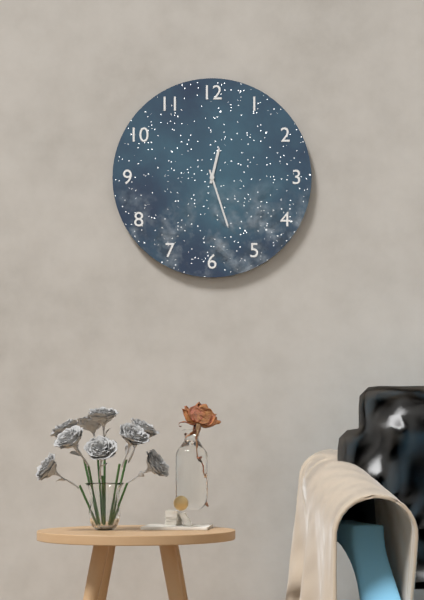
12:27
